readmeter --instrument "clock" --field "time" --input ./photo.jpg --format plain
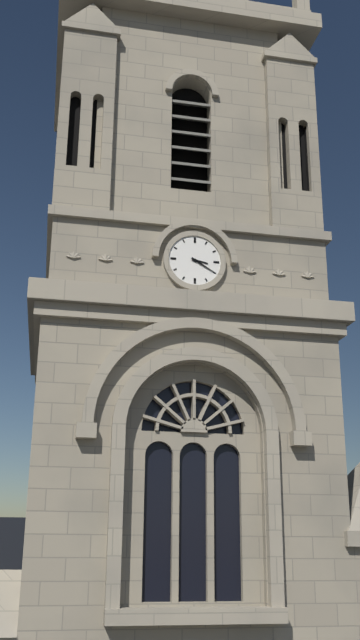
3:20
